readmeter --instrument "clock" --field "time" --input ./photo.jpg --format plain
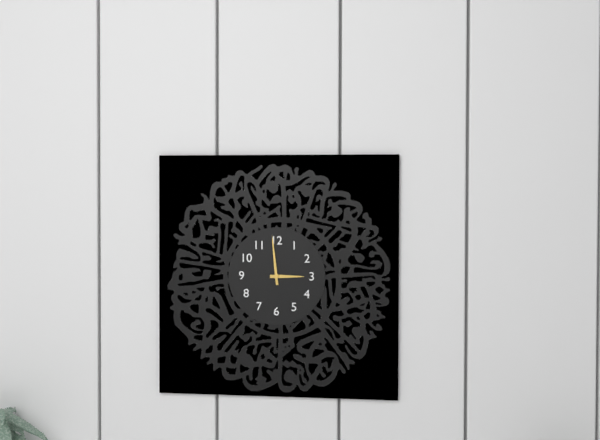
2:59
